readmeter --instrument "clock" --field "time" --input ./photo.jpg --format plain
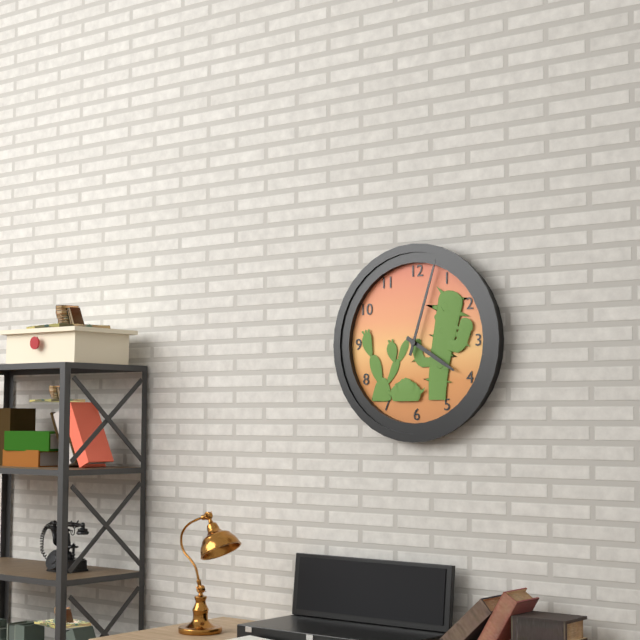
4:03
